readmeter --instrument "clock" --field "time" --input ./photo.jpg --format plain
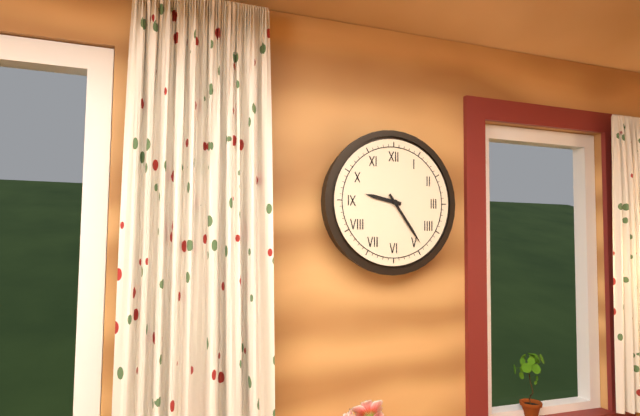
9:24
